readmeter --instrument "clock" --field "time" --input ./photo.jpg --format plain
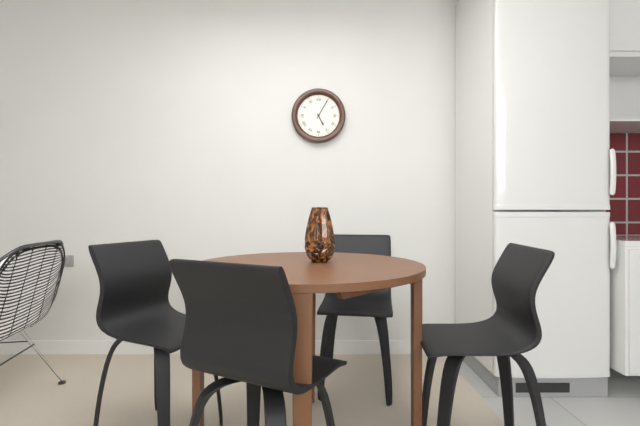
5:05
